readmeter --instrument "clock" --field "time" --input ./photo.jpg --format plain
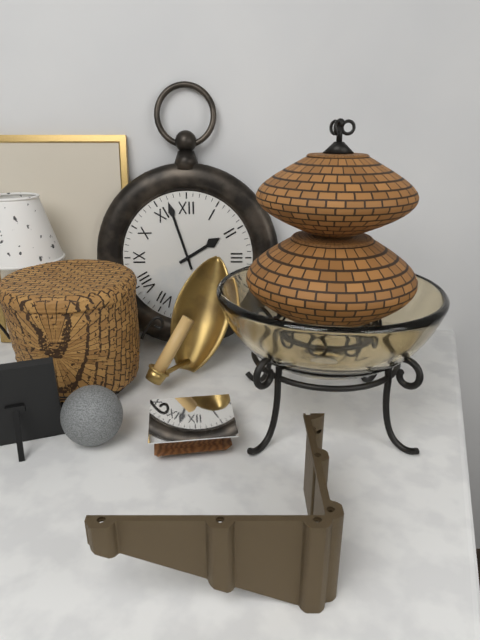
1:57
